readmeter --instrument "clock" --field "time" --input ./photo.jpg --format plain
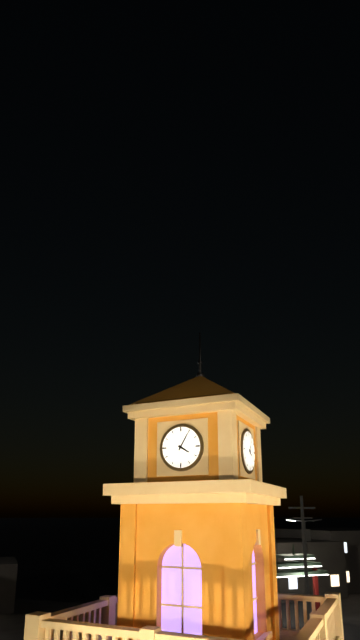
4:05
